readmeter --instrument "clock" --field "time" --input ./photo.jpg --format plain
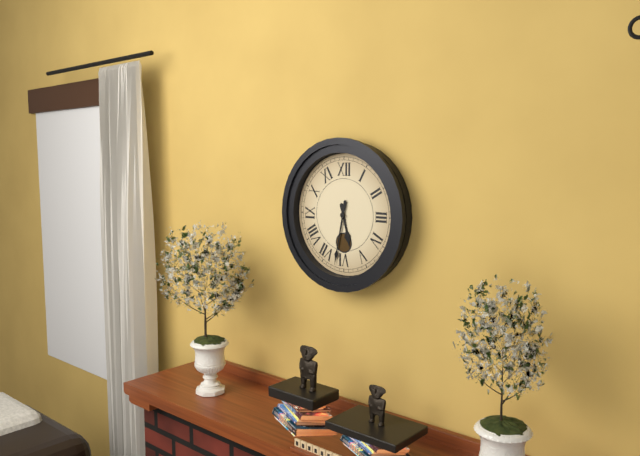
5:32
